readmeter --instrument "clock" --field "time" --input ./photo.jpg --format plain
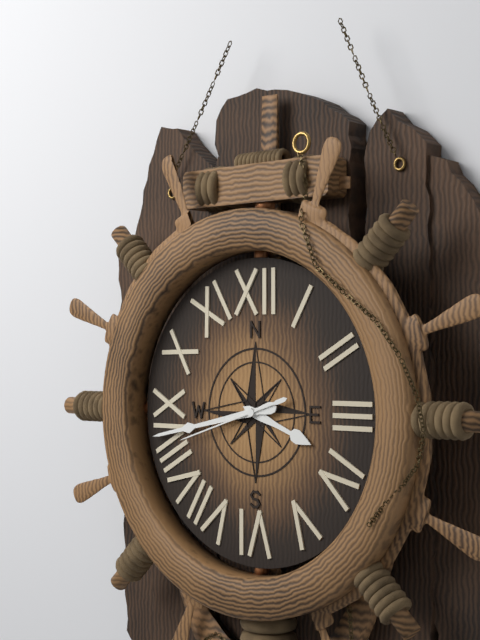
3:43:42
